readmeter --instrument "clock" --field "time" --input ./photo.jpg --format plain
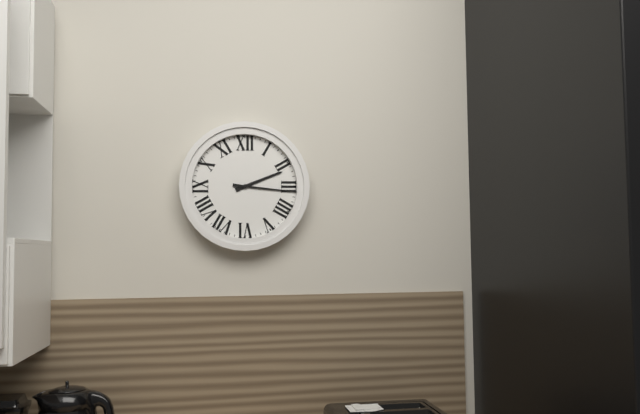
2:16
